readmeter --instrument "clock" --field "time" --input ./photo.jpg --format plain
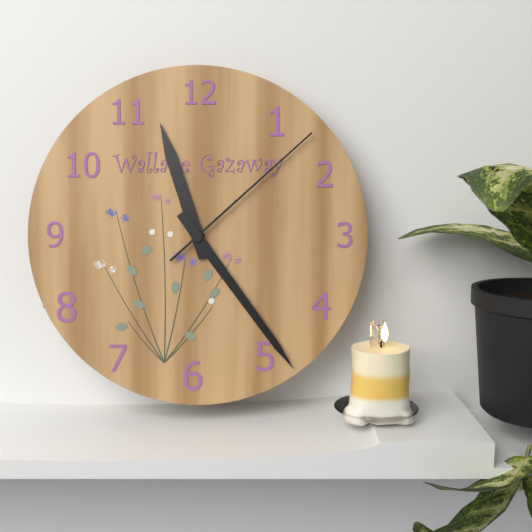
11:24:08
